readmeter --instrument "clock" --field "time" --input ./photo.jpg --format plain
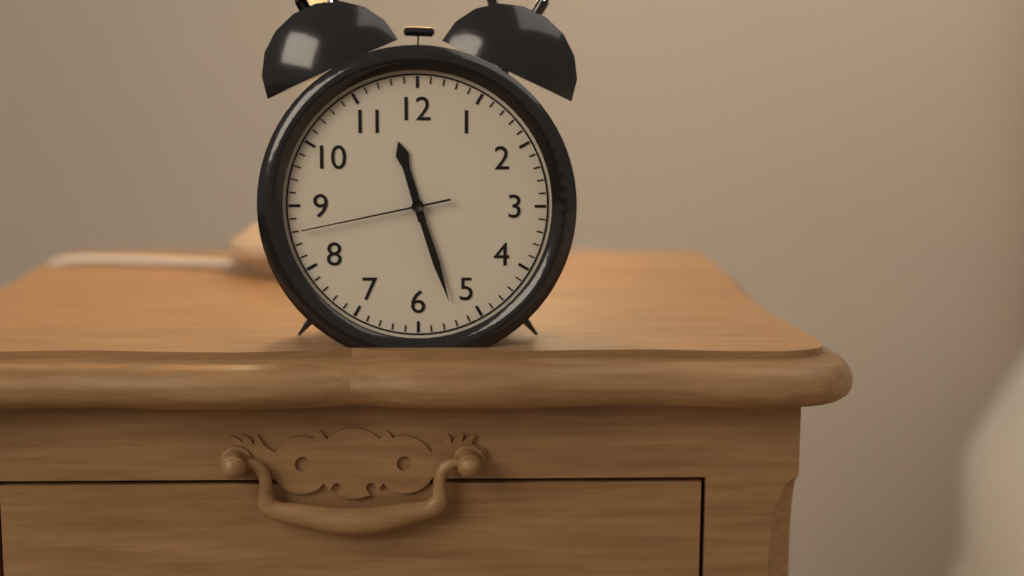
11:27:43
